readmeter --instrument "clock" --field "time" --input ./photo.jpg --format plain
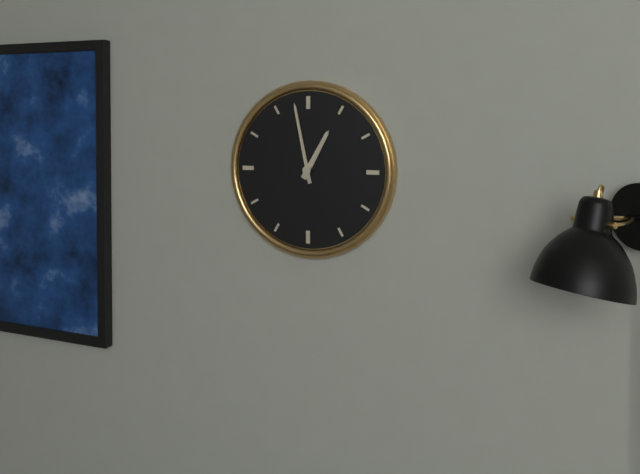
12:58
